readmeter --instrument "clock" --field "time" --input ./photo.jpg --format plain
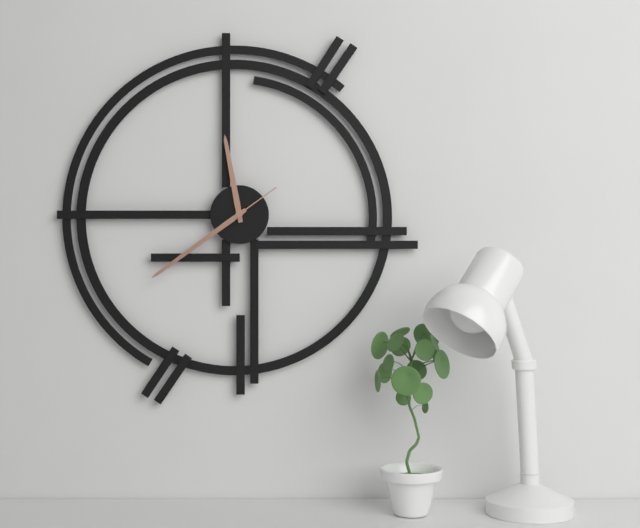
11:39:39
